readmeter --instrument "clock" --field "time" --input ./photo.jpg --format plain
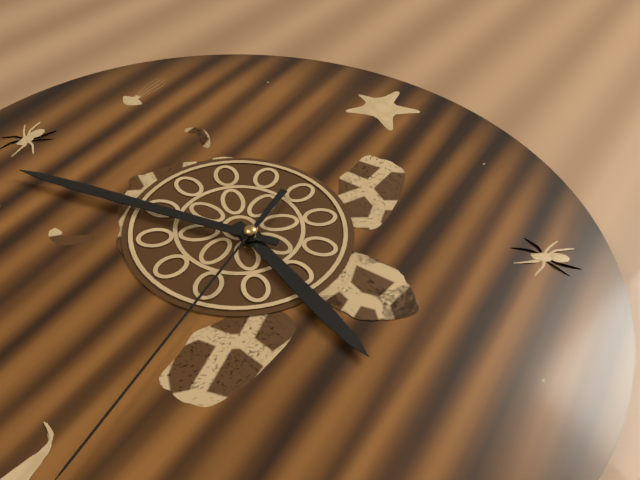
3:43
